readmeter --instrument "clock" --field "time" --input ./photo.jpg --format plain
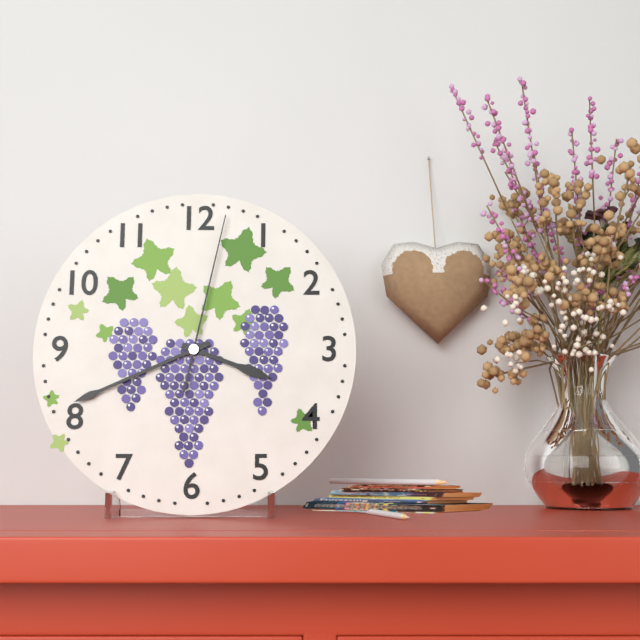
3:41:02
